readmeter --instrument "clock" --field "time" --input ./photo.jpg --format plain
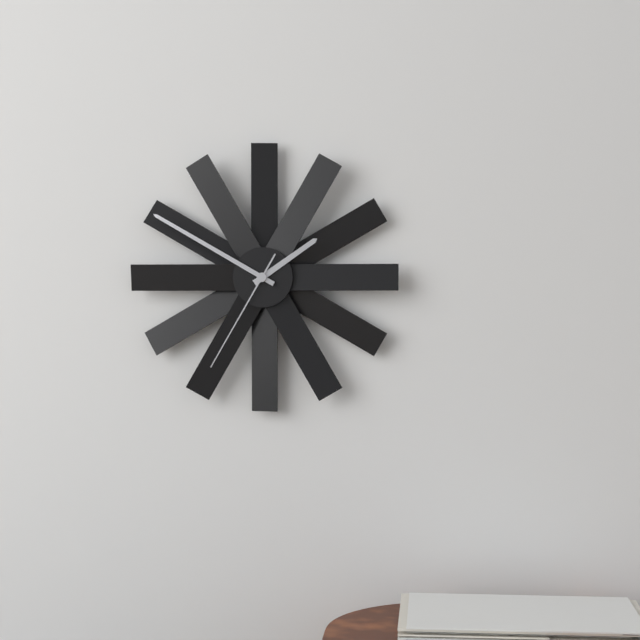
1:50:35
